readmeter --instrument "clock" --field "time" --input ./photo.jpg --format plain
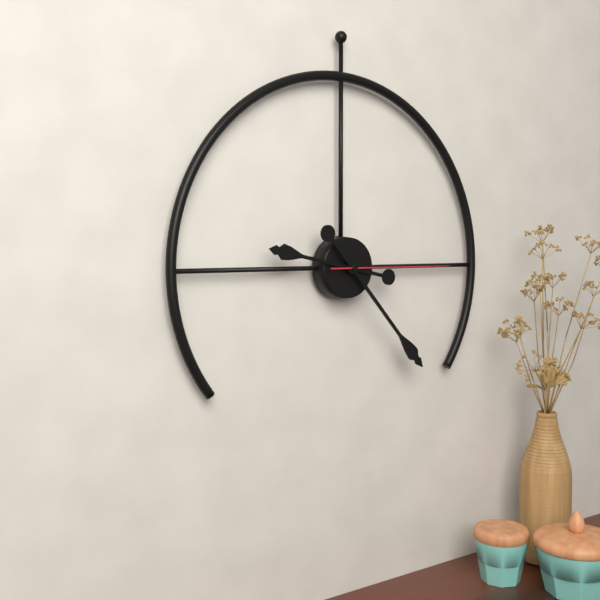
9:23:15
